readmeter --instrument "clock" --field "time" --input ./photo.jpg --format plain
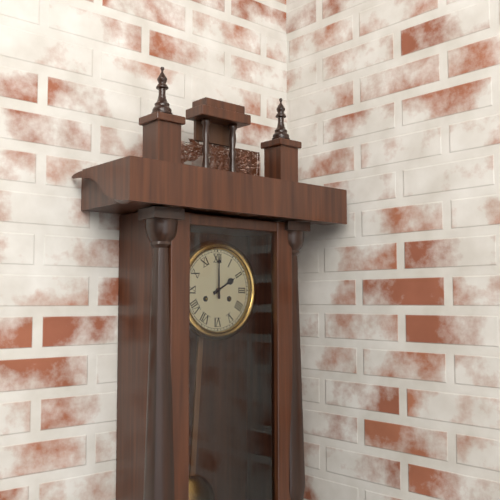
2:00
